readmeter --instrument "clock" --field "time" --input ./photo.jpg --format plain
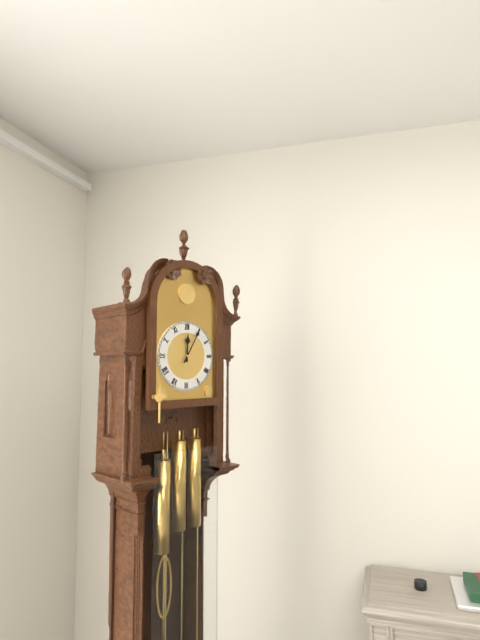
12:05
